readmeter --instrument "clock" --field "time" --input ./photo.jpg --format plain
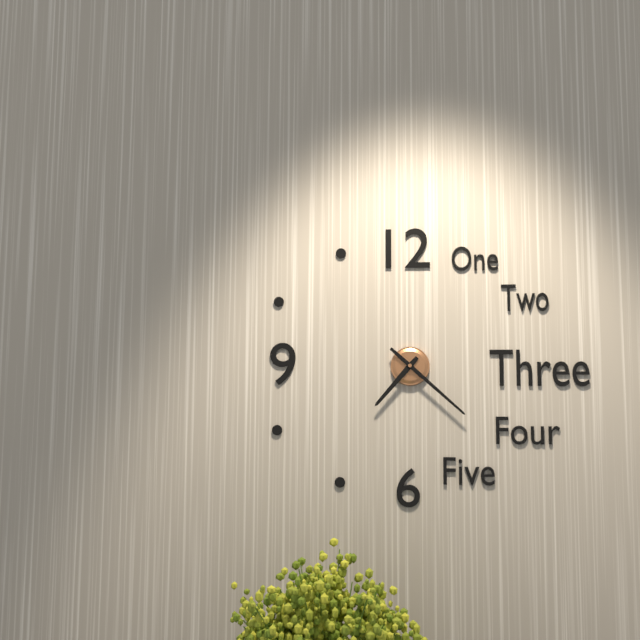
7:22
